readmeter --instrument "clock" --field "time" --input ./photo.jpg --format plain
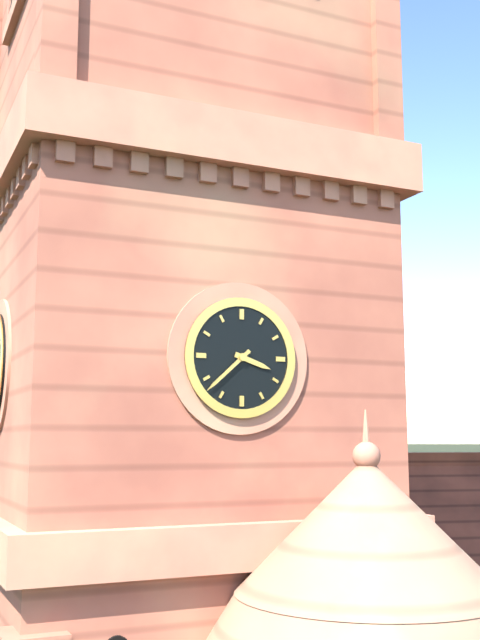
3:38
